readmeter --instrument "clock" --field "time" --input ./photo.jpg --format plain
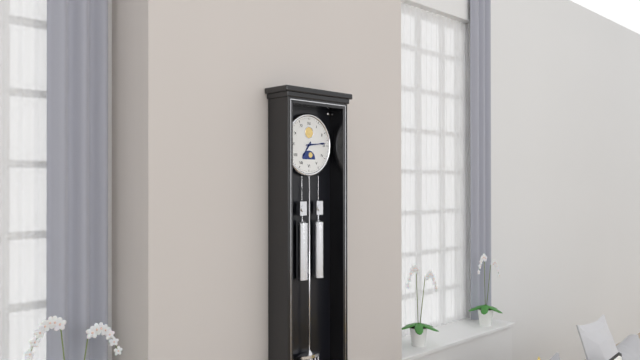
7:14
